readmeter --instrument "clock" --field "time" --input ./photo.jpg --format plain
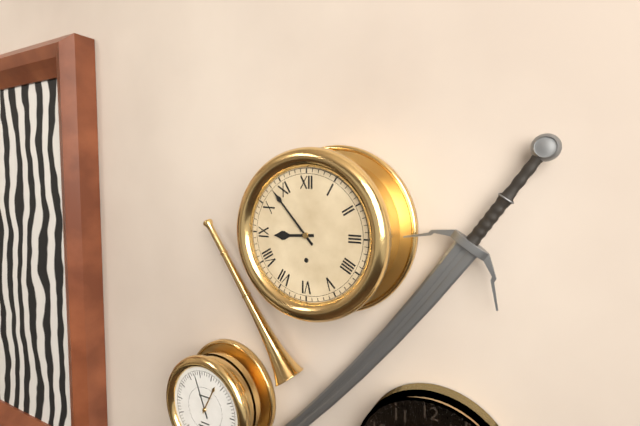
8:53
